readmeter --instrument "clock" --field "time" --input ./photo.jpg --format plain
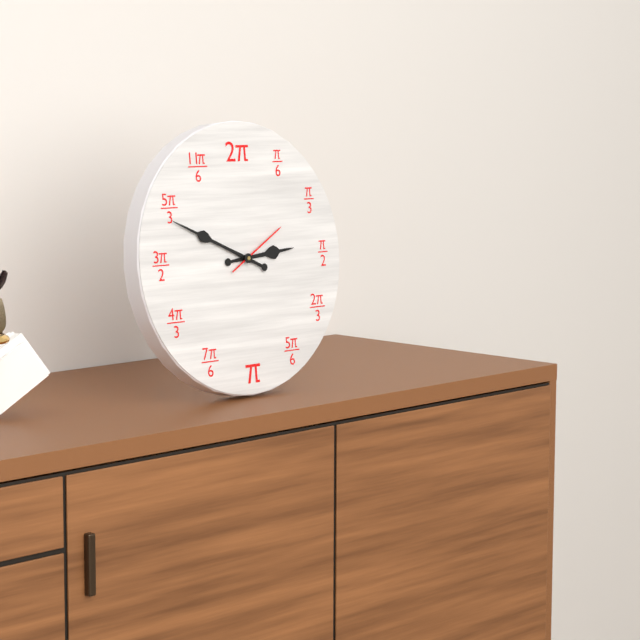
2:49:10
